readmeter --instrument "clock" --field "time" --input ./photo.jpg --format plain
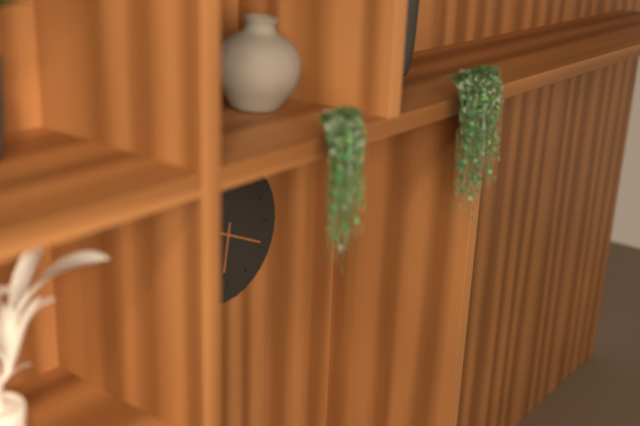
6:19
